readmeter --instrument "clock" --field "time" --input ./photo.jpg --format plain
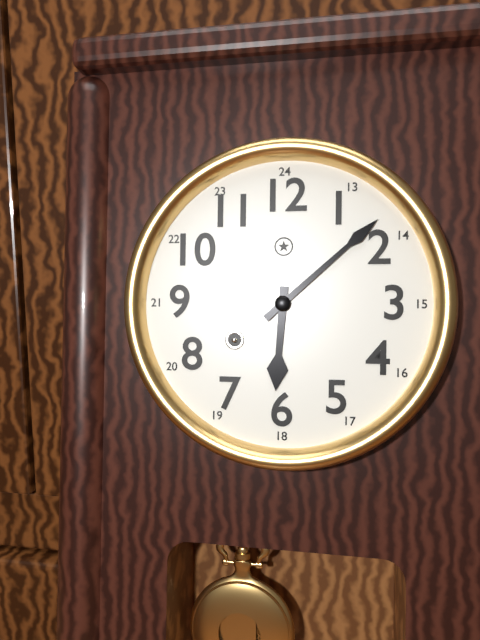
6:08
